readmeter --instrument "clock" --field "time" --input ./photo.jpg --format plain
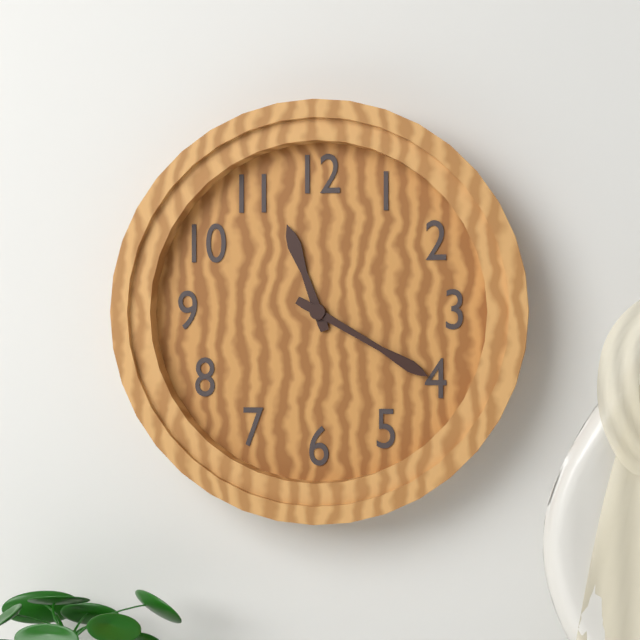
11:20
